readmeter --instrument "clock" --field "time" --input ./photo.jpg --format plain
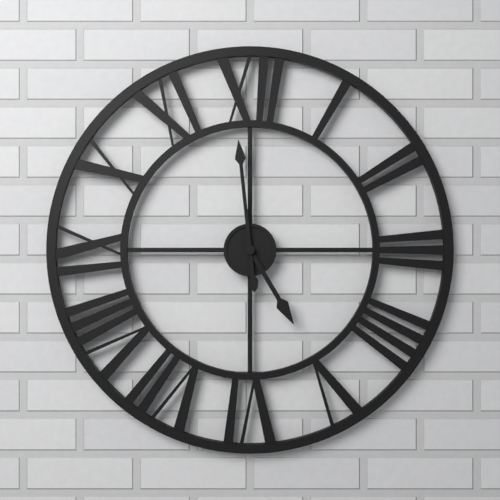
4:59
